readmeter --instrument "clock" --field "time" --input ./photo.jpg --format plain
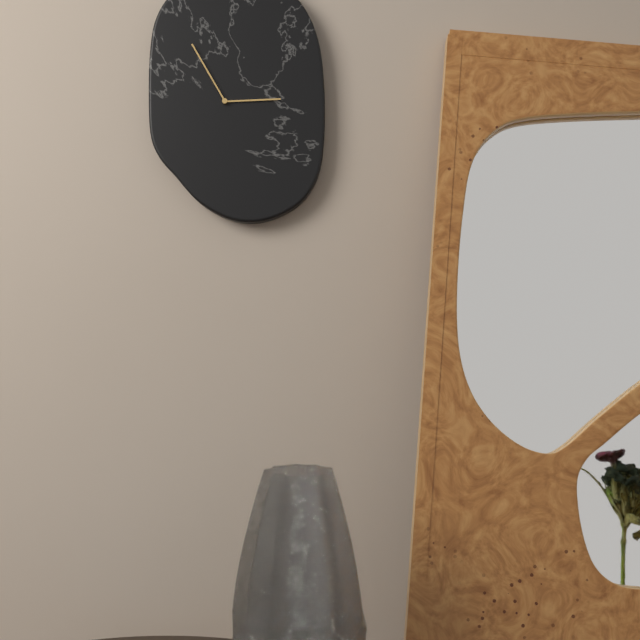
2:55
